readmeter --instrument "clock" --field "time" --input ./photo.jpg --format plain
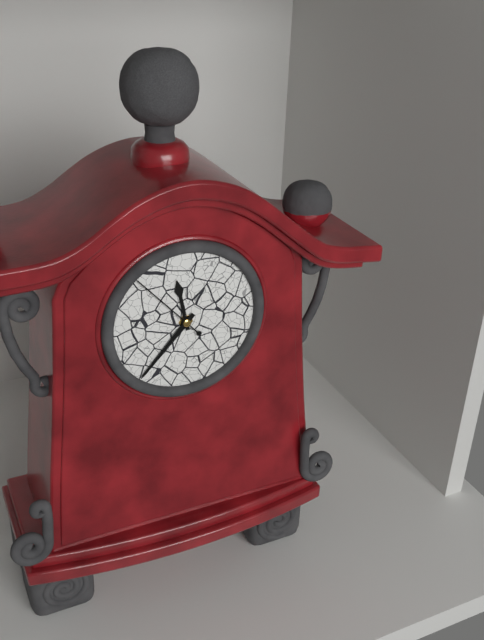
11:37:53
